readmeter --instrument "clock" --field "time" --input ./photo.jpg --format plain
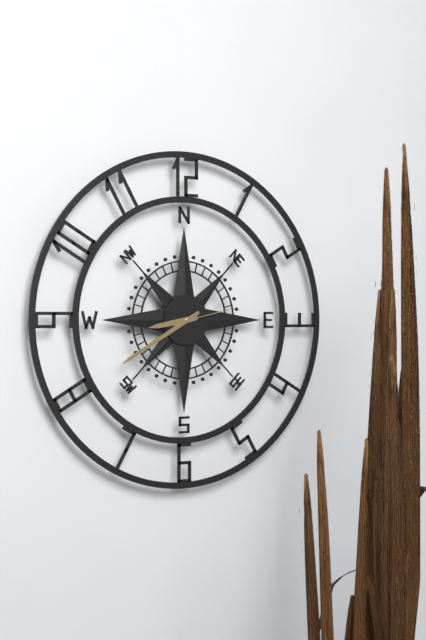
8:40:13
